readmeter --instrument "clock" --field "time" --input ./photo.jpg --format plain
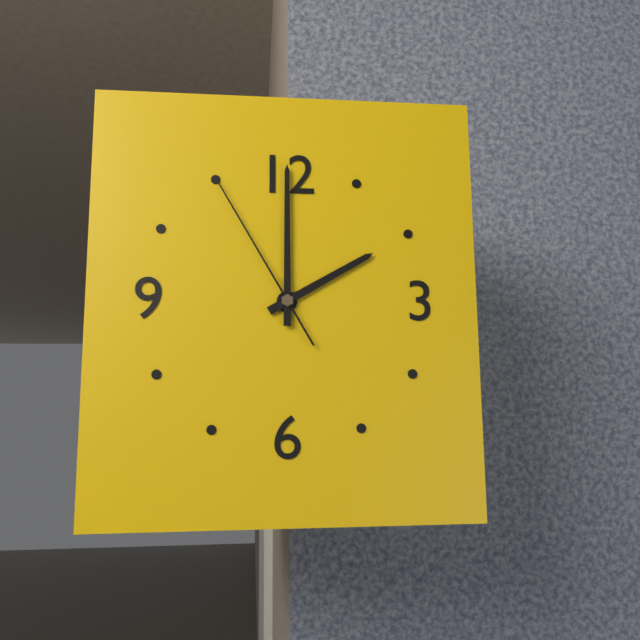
2:00:55
